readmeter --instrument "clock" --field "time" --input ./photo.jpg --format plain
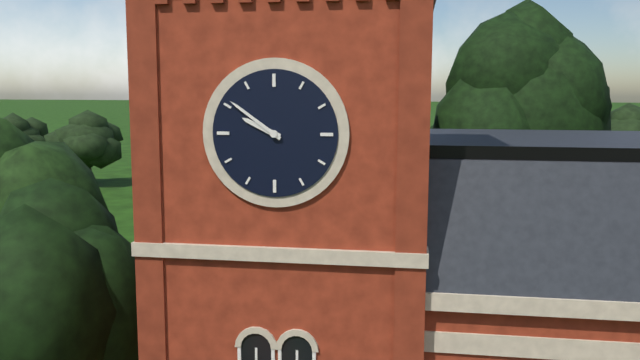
9:51
